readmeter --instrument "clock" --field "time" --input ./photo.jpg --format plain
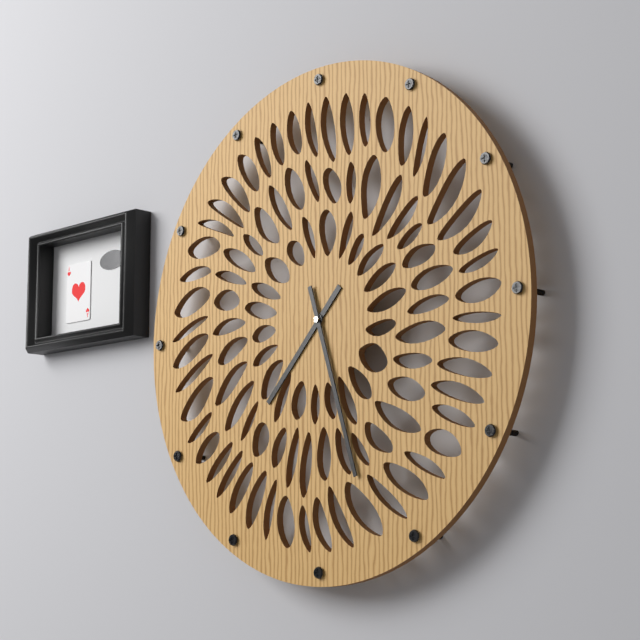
7:27
